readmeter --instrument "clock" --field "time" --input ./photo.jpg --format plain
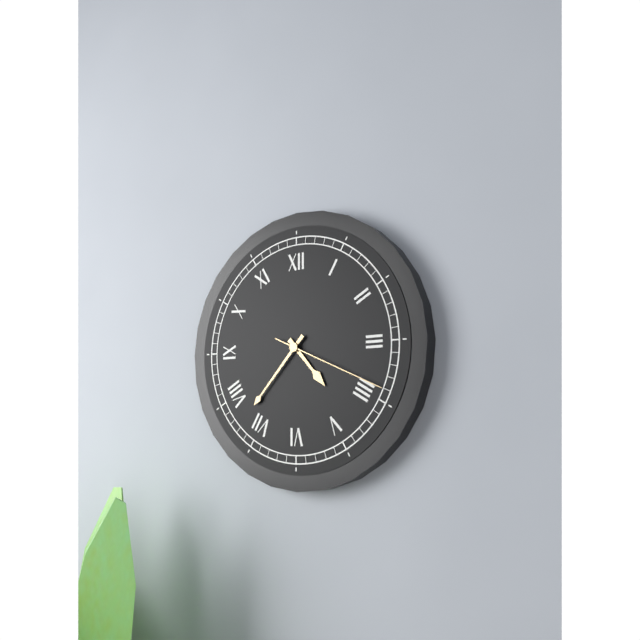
4:37:19
